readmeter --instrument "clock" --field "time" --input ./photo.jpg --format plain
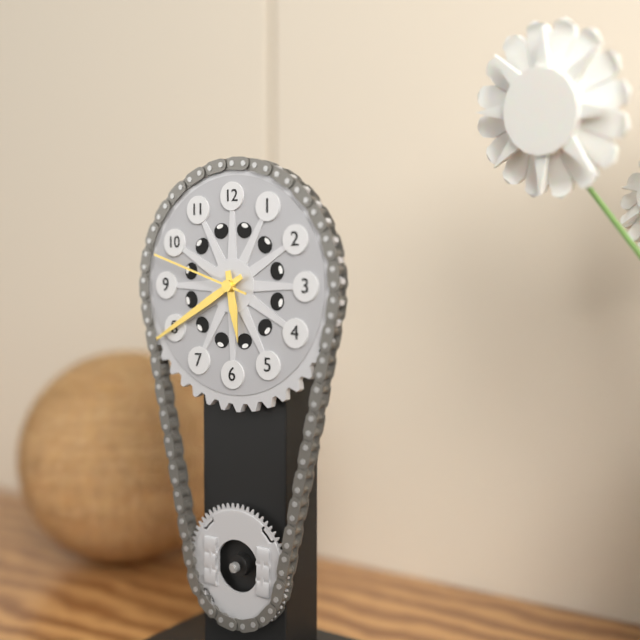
5:40:48
